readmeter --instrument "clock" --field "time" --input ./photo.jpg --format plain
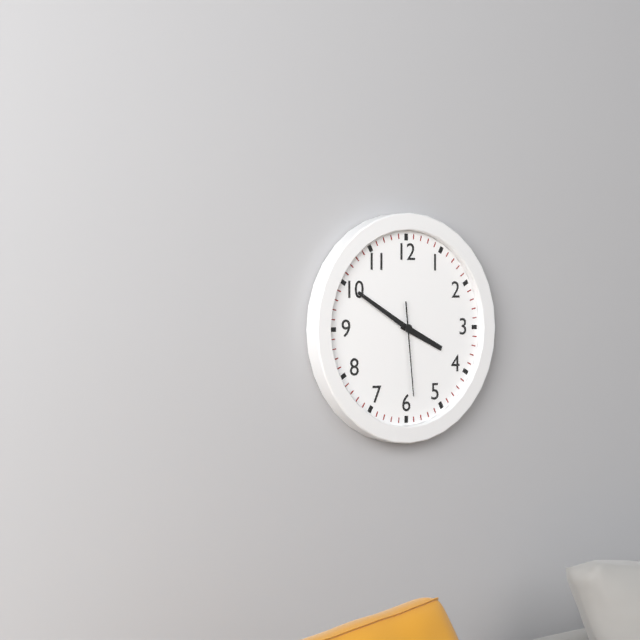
3:50:29
